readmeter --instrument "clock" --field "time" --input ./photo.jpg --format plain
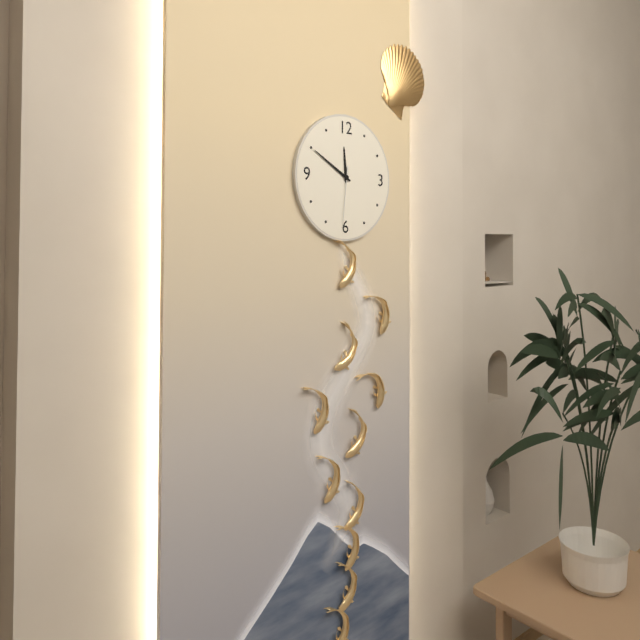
11:50:31
